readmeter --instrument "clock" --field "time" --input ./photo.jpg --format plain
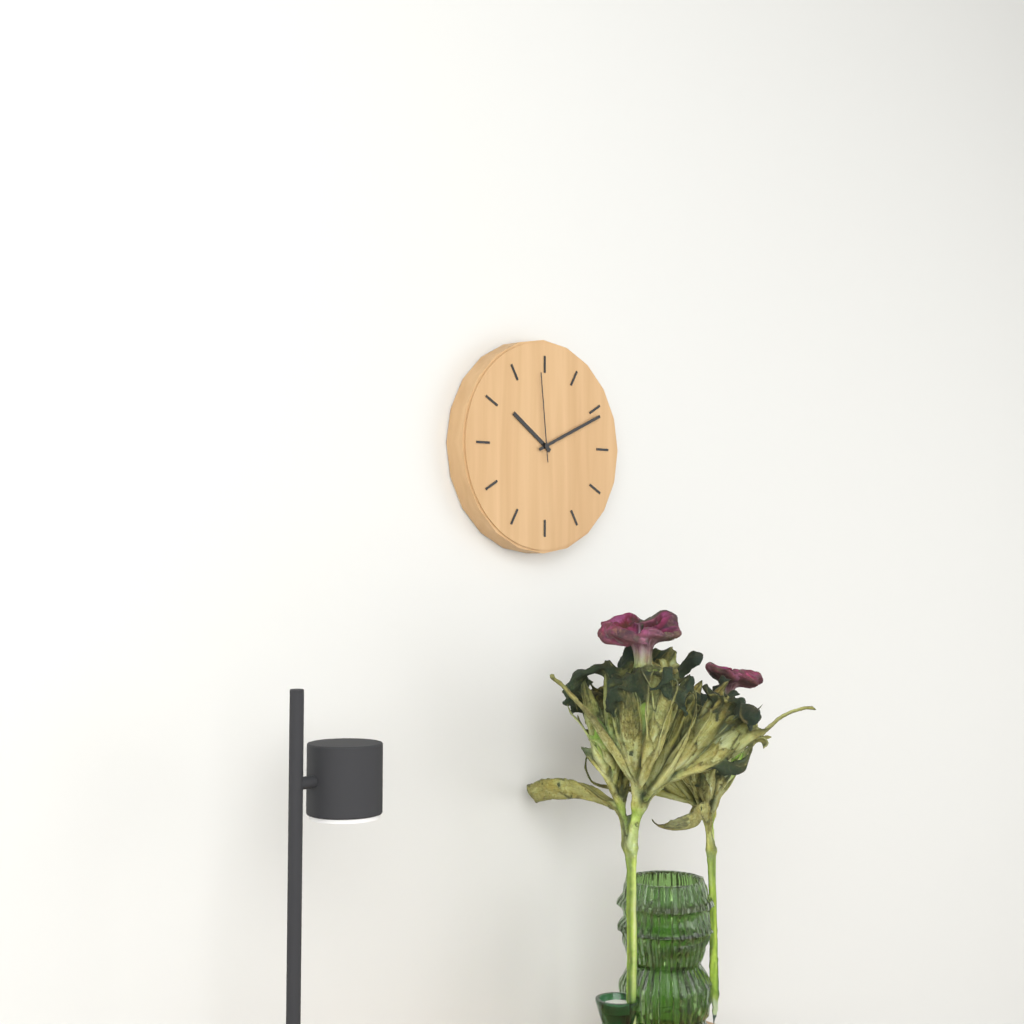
10:11:59
